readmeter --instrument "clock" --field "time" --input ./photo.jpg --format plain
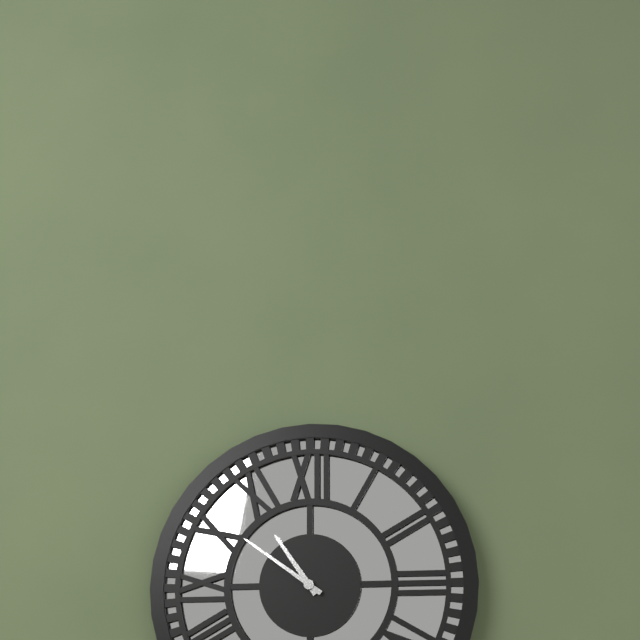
10:51
